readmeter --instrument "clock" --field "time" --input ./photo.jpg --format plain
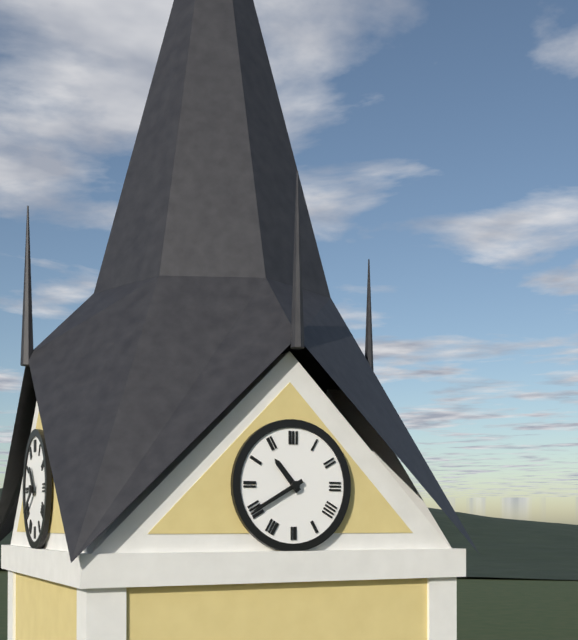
10:40
